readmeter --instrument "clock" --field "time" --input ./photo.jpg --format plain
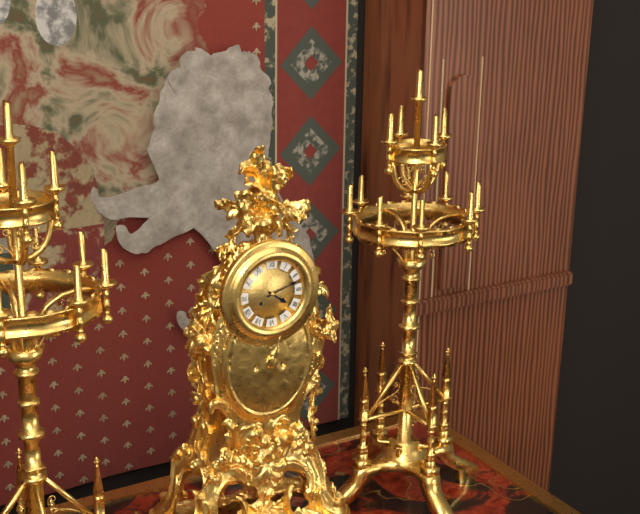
4:12
